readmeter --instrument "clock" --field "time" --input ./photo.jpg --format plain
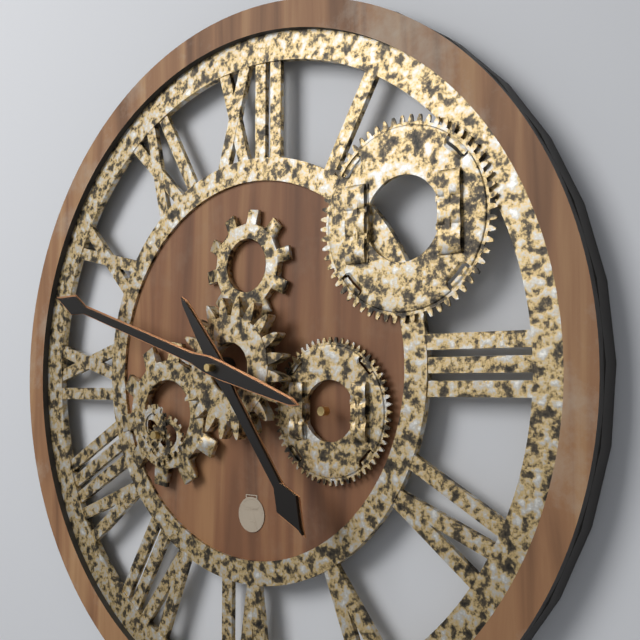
4:48
